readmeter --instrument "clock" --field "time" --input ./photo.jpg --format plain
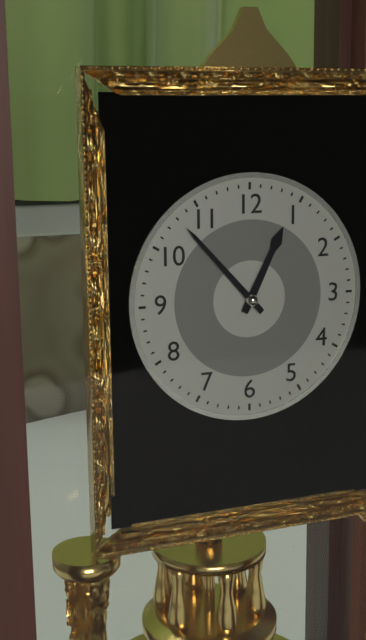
12:53
